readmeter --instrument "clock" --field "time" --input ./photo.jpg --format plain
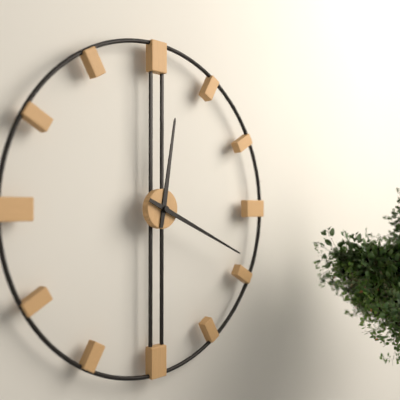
12:19
